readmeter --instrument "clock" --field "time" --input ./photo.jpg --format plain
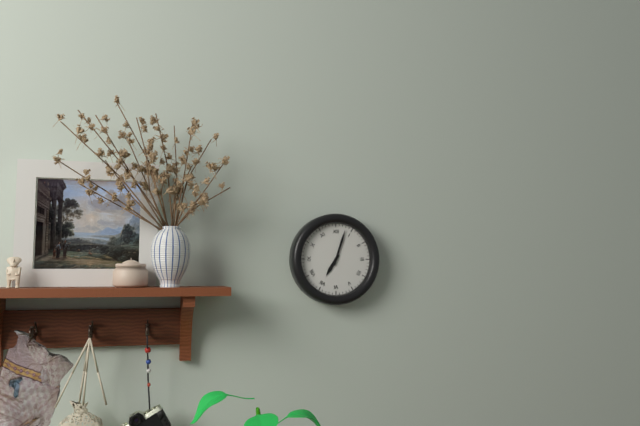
7:03
